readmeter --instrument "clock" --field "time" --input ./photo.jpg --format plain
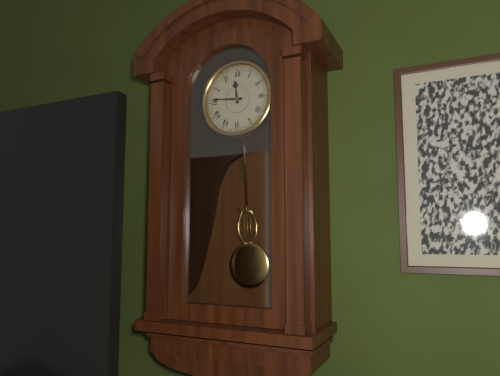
11:46
